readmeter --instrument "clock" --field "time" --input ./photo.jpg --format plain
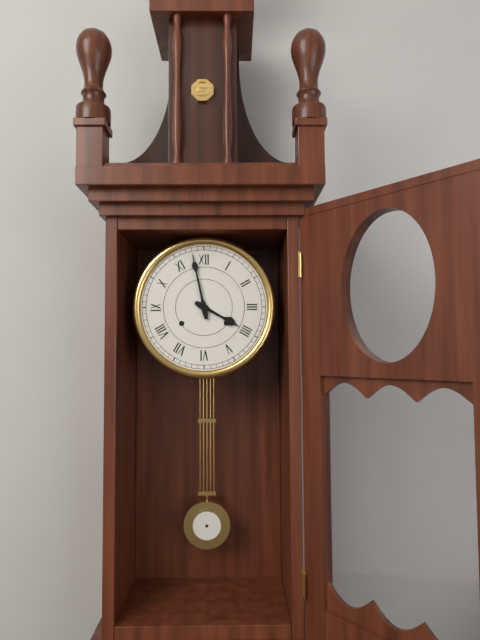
3:58
